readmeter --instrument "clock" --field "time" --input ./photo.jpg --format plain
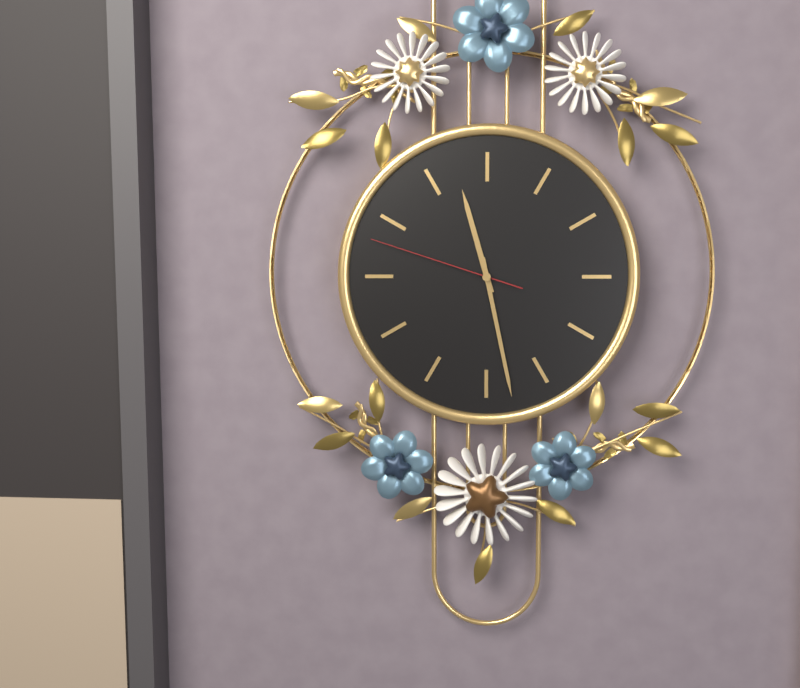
11:28:48
